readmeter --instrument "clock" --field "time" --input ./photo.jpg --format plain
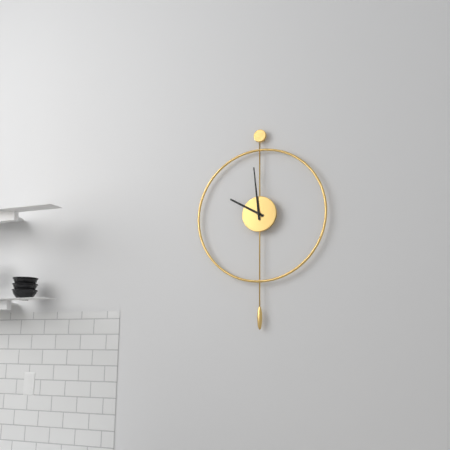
9:59
